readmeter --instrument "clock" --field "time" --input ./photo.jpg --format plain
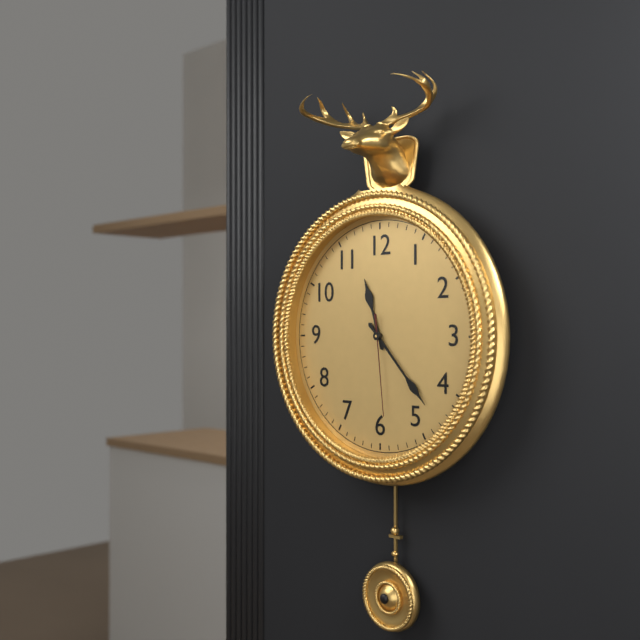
11:23:29
